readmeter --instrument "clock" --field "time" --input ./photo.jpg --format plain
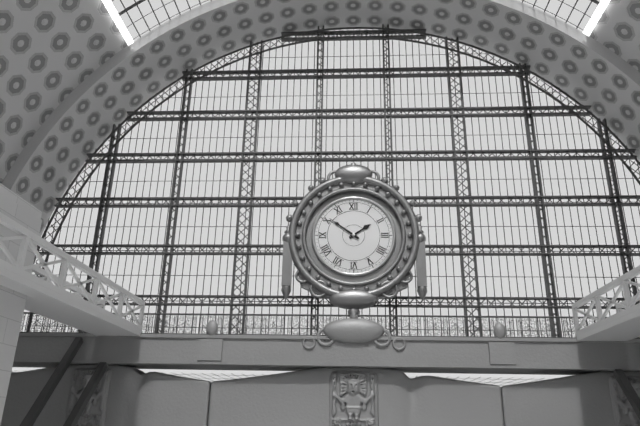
1:51
